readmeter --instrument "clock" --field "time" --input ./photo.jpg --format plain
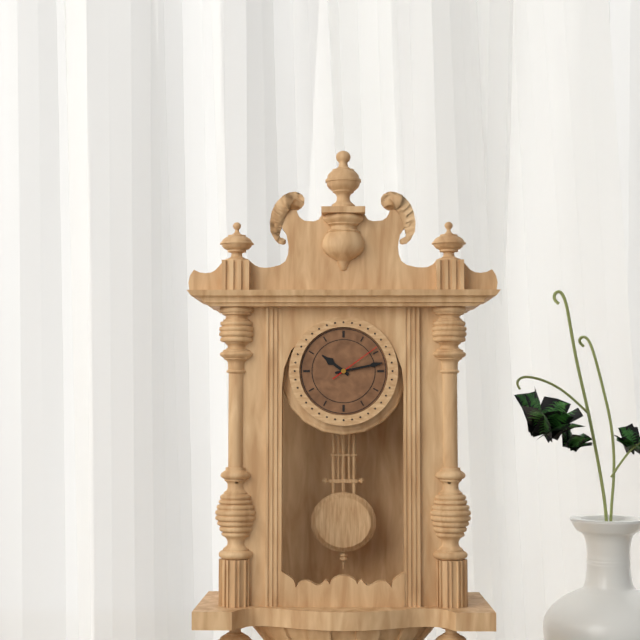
10:13:09
